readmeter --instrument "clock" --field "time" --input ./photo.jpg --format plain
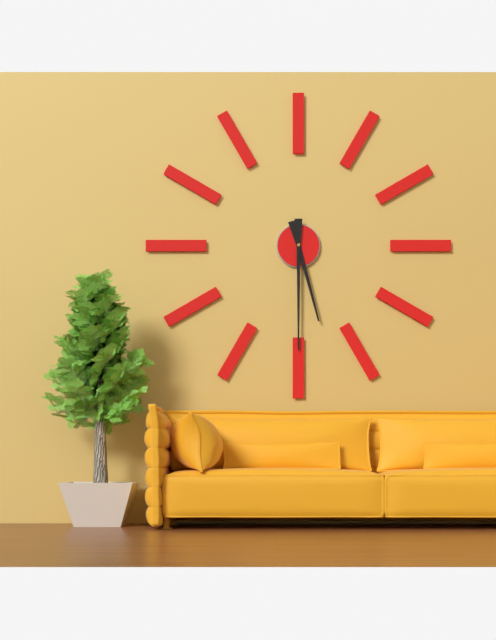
5:30
